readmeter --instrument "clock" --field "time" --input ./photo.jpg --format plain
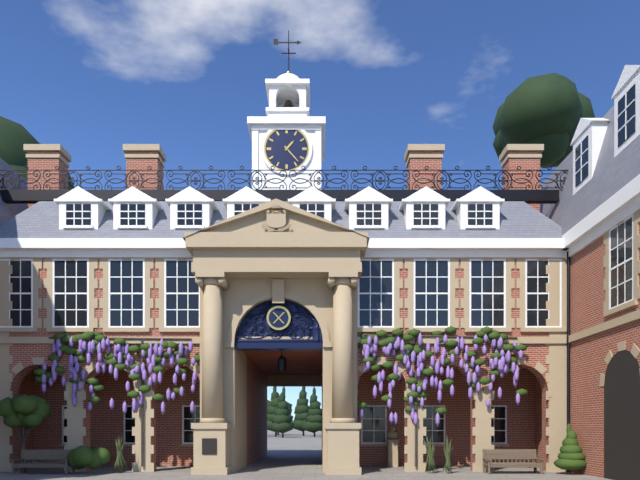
1:23
